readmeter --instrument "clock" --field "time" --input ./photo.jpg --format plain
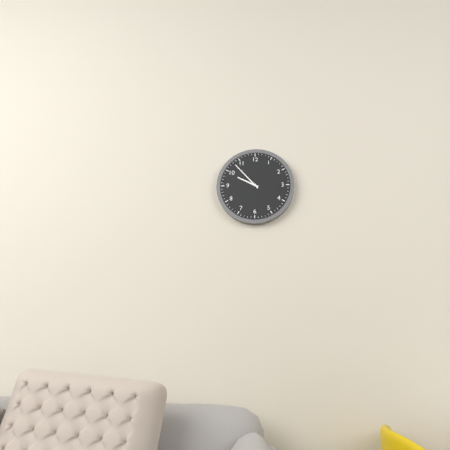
9:53
